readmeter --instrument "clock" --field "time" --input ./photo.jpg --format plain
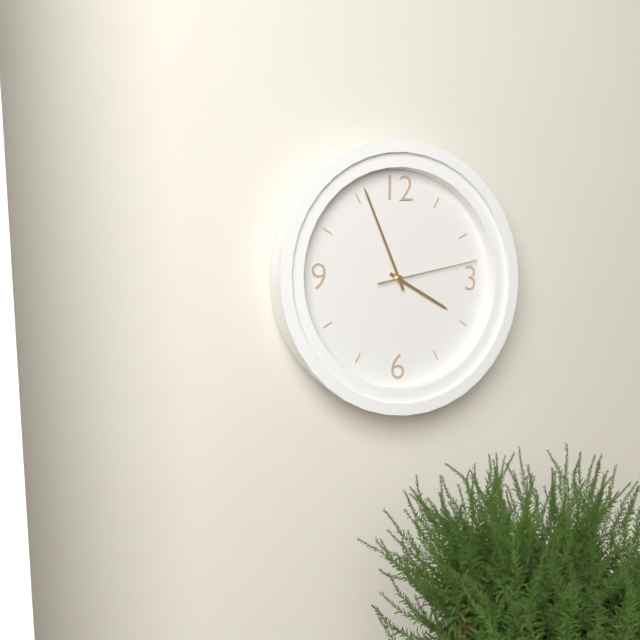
3:56:13
